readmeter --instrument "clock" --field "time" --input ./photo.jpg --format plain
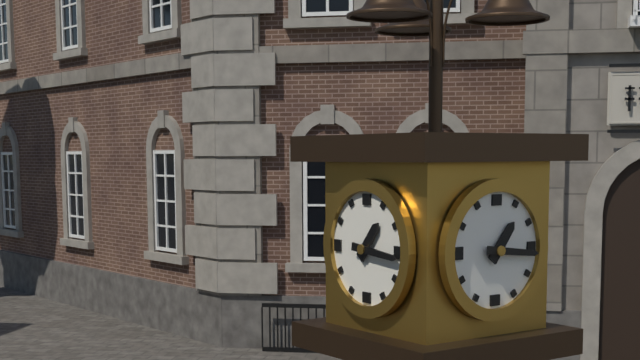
1:16
